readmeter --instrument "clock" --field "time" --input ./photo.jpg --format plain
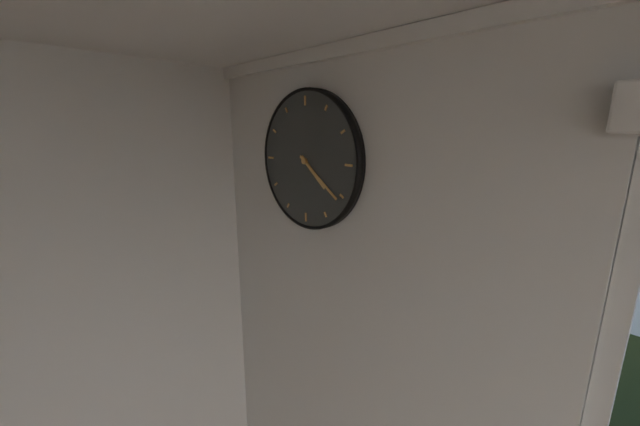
4:21
